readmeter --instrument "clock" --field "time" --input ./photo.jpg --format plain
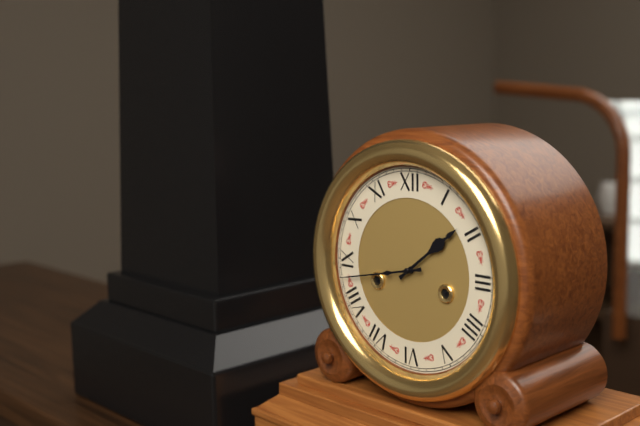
1:43
